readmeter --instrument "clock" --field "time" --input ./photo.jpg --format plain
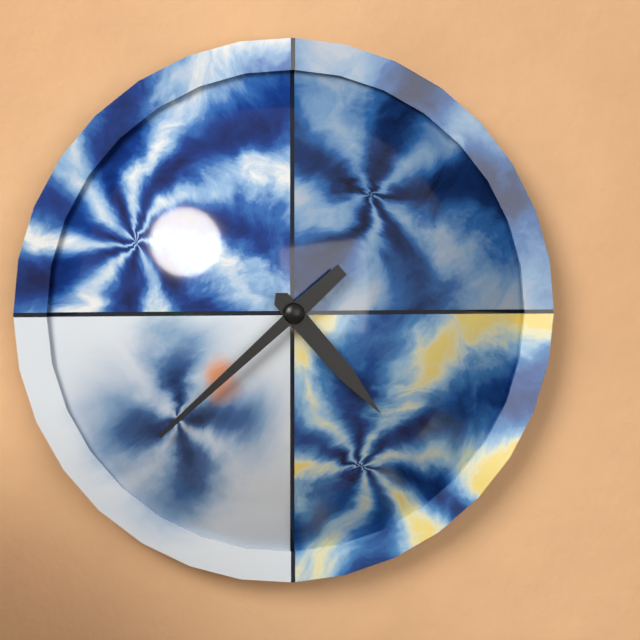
4:38
